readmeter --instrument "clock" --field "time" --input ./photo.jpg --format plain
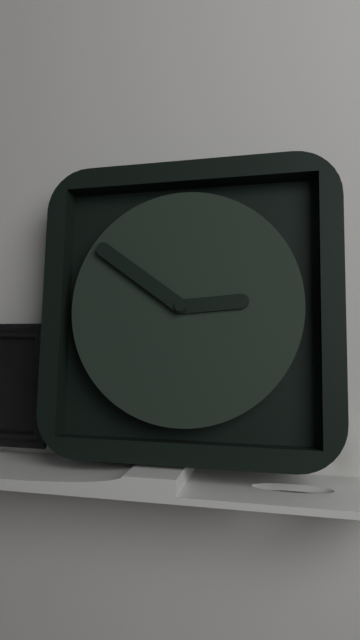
2:51
